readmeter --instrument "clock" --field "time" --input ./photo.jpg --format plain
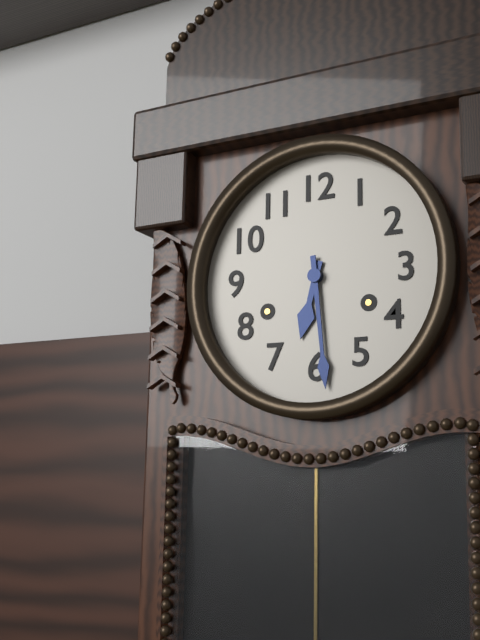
6:29
